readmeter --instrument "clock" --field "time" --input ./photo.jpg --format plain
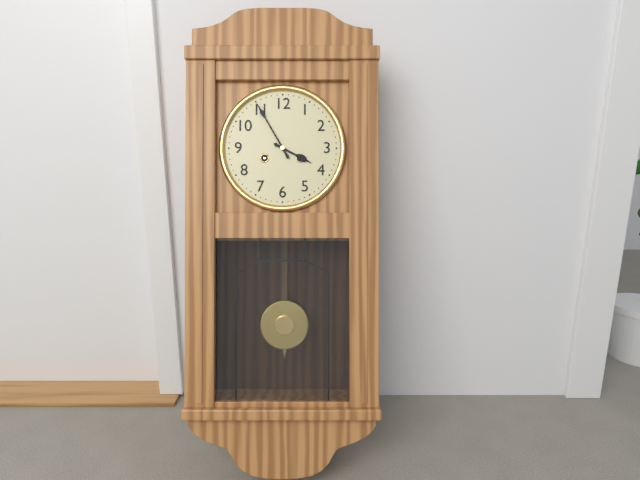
3:55
